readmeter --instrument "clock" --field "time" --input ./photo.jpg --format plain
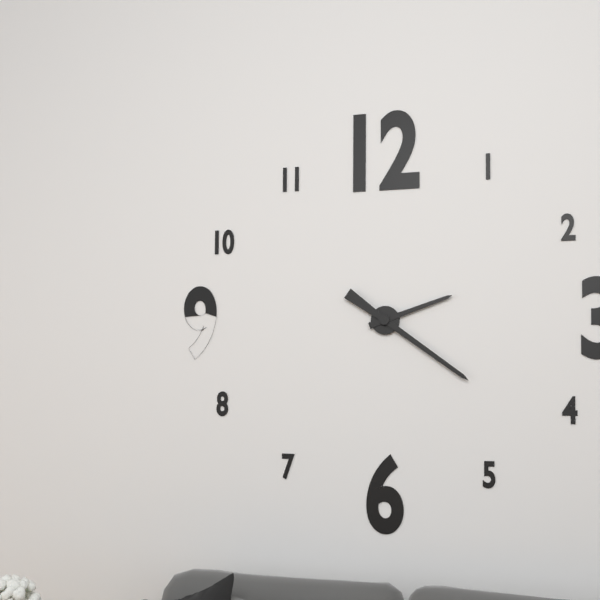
2:21
